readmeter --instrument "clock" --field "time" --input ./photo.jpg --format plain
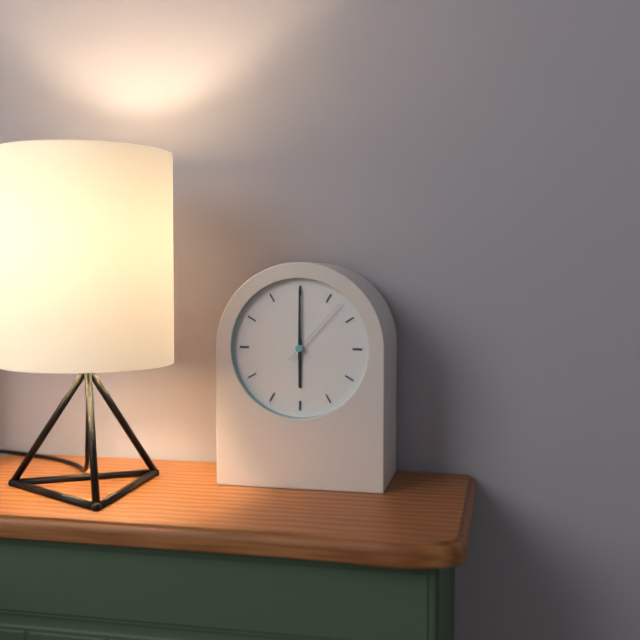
6:00:07
